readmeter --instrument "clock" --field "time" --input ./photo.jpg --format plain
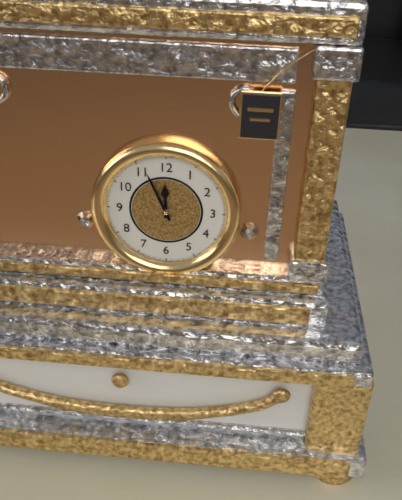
11:56
